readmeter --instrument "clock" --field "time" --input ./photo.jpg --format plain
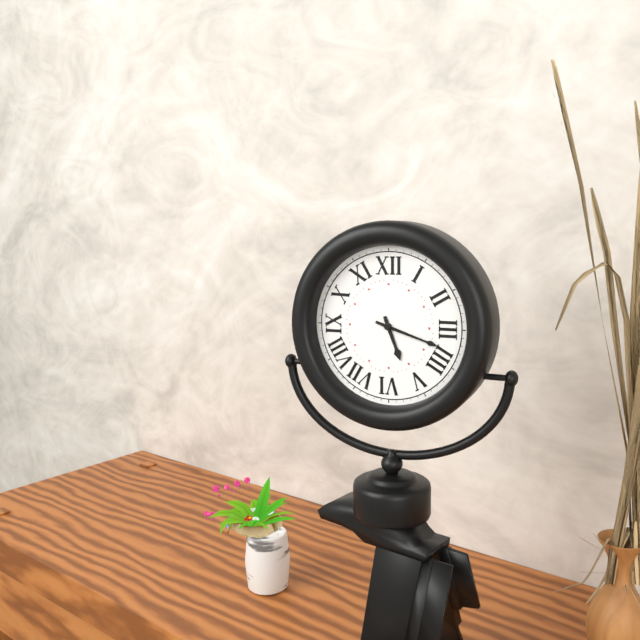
5:18
